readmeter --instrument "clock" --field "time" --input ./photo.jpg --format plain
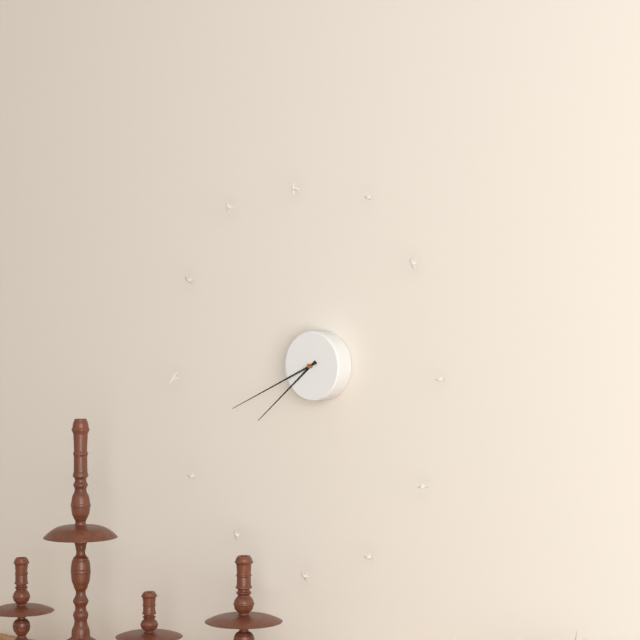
7:41
